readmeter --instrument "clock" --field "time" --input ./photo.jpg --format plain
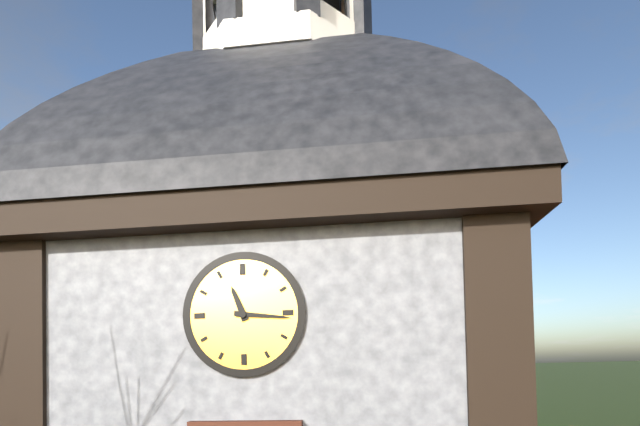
11:16
